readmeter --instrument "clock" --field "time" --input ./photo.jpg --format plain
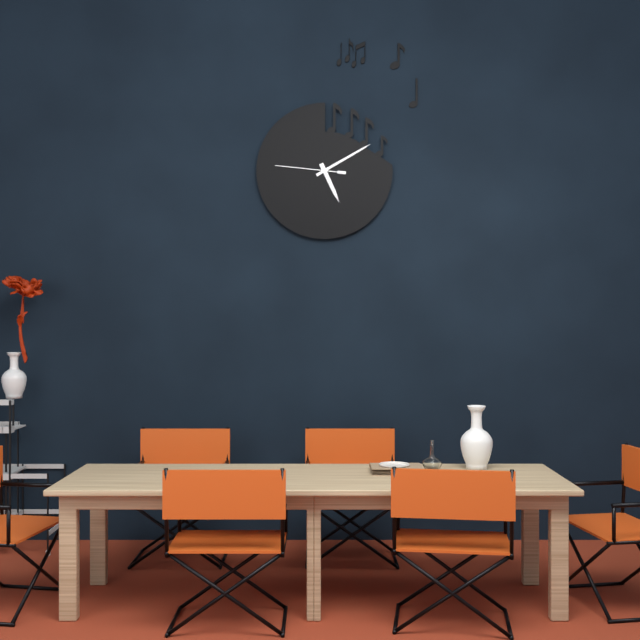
5:10:46
